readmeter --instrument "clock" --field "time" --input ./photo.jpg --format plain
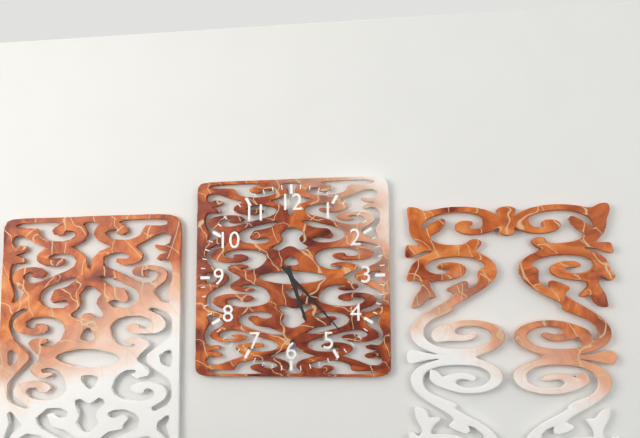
5:23
